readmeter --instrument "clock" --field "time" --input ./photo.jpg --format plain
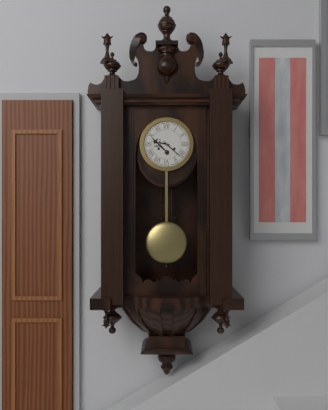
9:22
